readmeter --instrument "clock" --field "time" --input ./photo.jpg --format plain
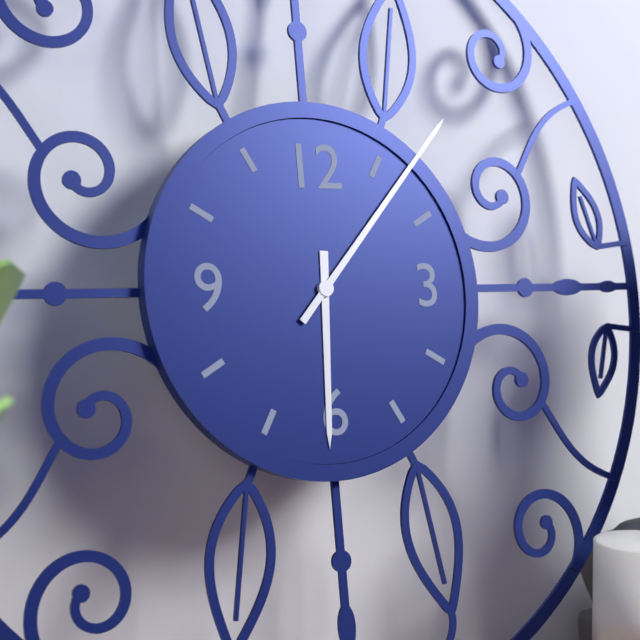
6:07
